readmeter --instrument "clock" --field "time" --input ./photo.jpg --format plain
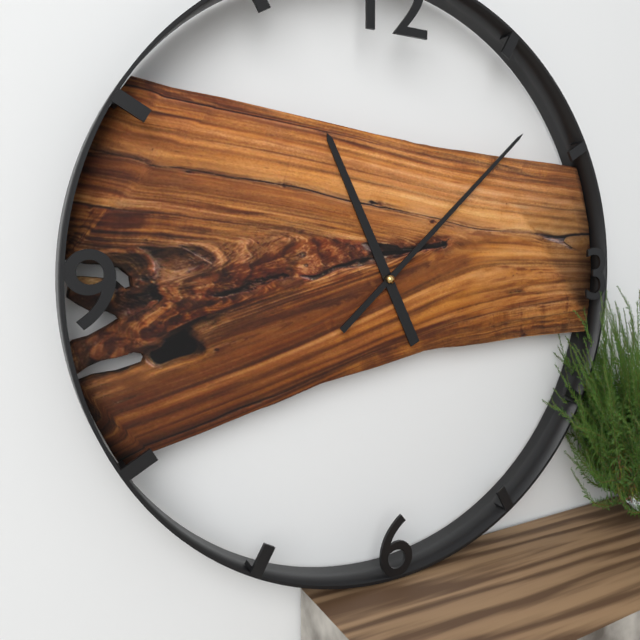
11:08
